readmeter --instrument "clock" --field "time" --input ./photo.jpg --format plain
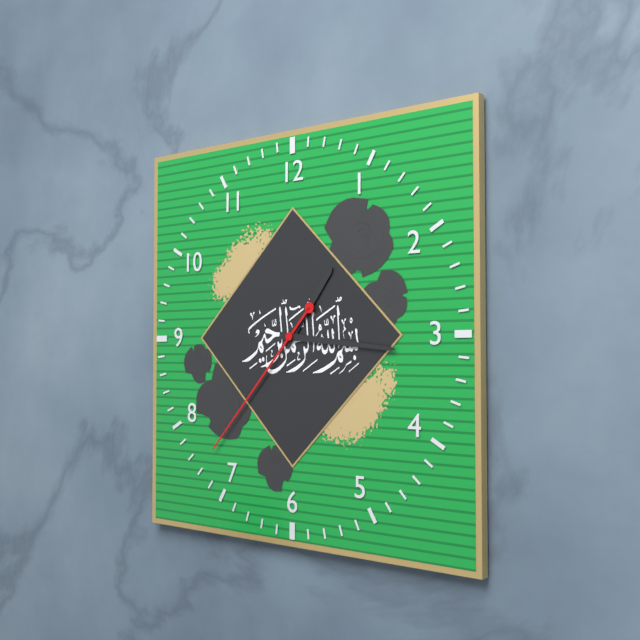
1:16:37
